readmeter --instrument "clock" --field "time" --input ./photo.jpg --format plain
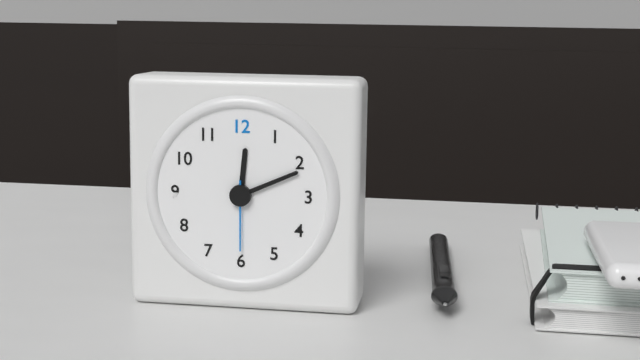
12:11:30
